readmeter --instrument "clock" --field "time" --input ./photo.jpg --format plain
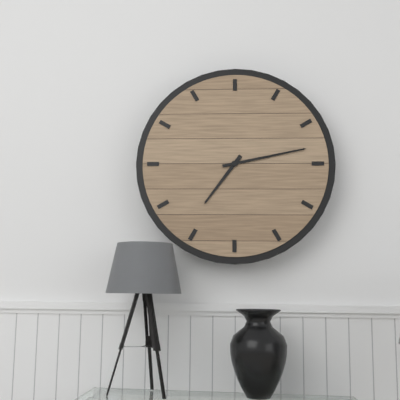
7:13
